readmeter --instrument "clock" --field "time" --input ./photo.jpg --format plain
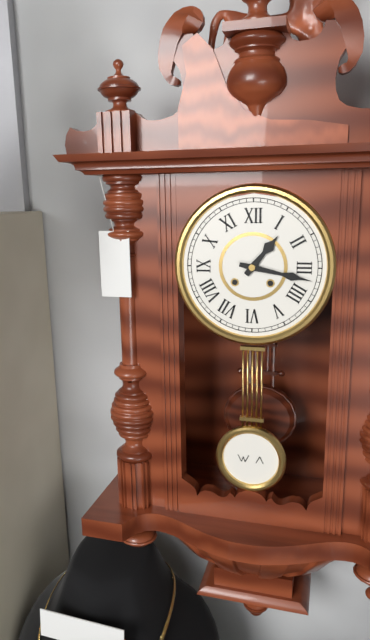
1:17
